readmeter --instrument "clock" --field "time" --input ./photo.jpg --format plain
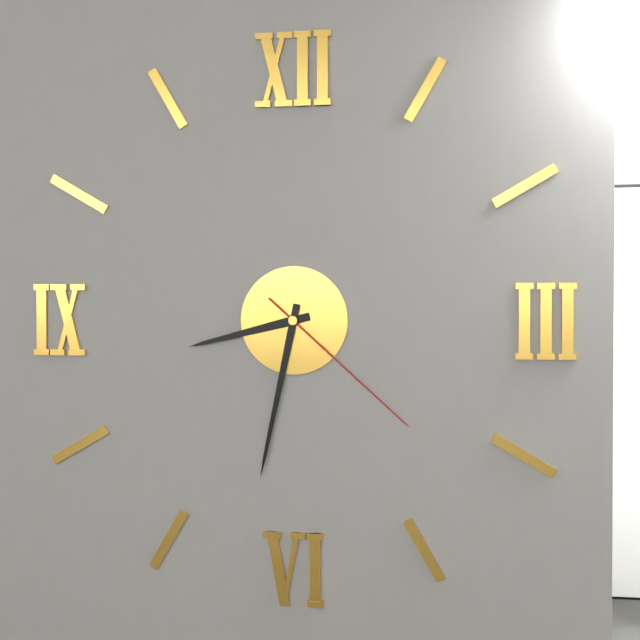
8:32:22
